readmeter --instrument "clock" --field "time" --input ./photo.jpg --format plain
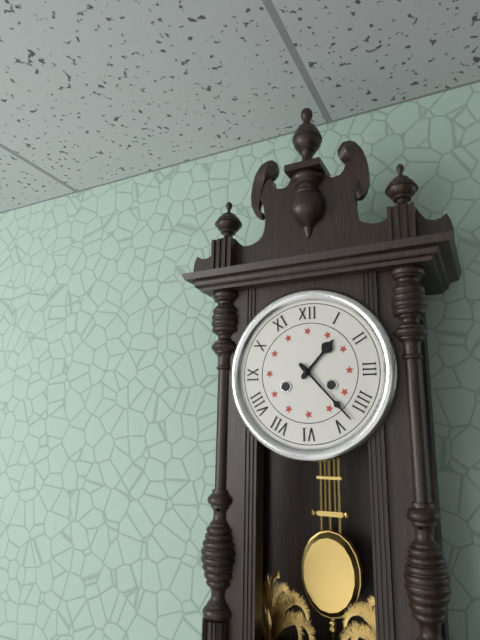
1:23
